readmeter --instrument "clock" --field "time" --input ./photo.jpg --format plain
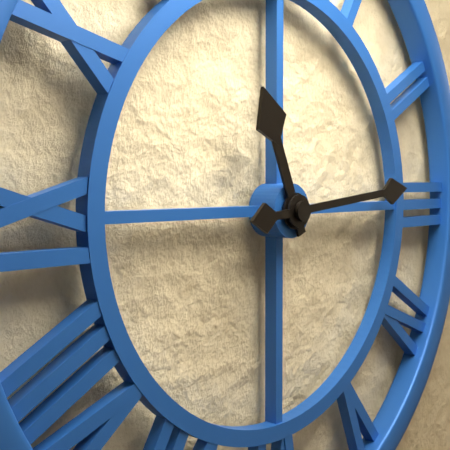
11:14
